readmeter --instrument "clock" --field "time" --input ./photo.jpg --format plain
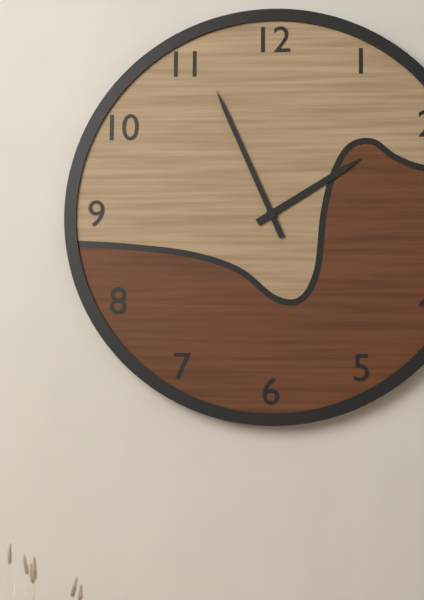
1:56
